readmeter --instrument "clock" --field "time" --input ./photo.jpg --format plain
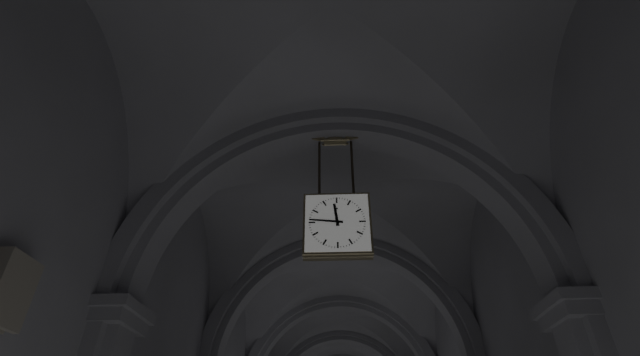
11:46
